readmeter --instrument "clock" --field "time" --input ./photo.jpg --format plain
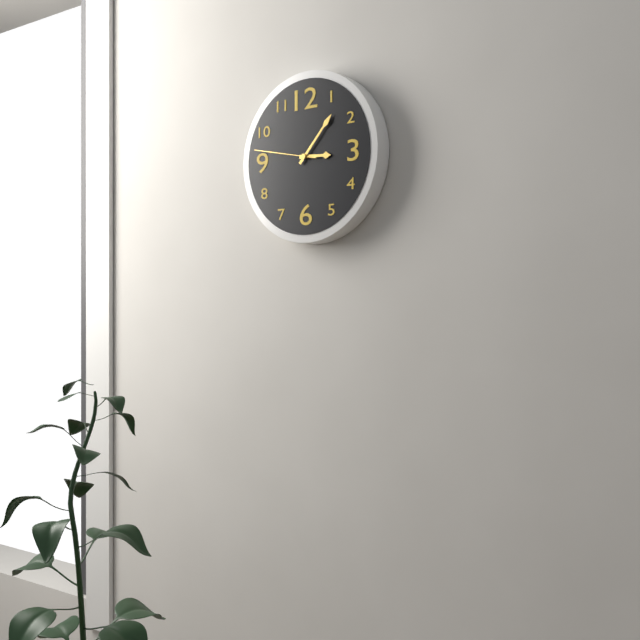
3:07:47
